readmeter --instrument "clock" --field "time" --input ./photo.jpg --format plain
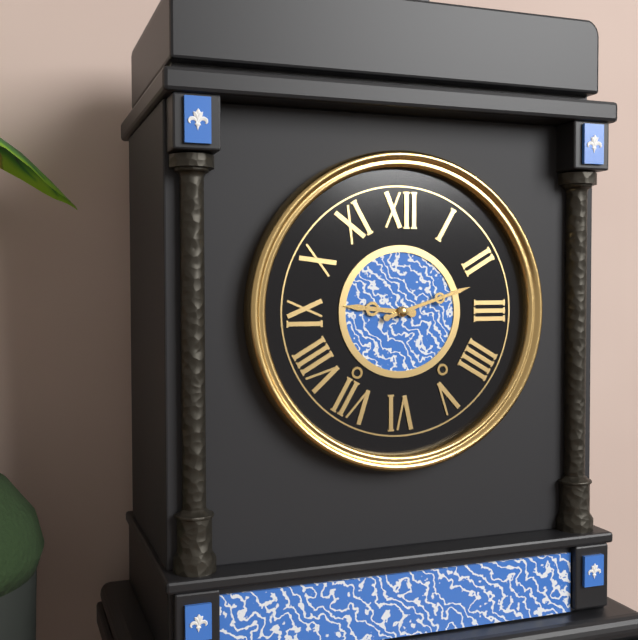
9:12
